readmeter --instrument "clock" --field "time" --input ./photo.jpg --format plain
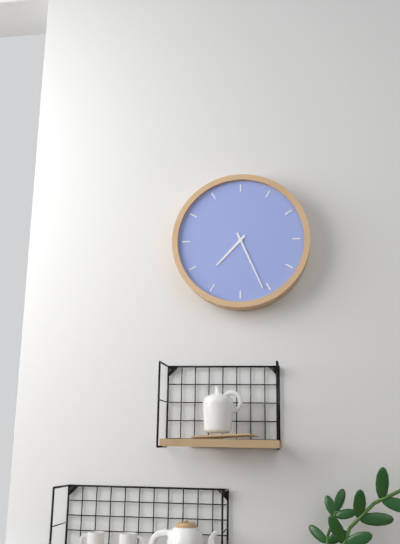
7:26
